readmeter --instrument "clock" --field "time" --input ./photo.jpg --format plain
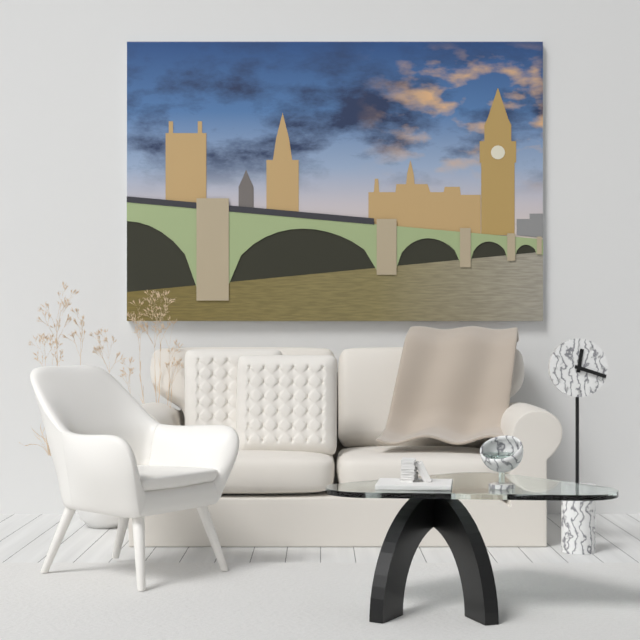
12:18
